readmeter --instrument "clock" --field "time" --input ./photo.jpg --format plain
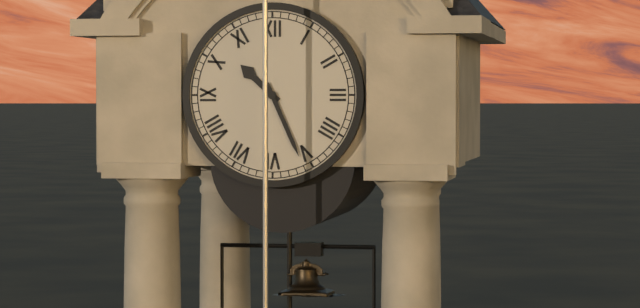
10:26
